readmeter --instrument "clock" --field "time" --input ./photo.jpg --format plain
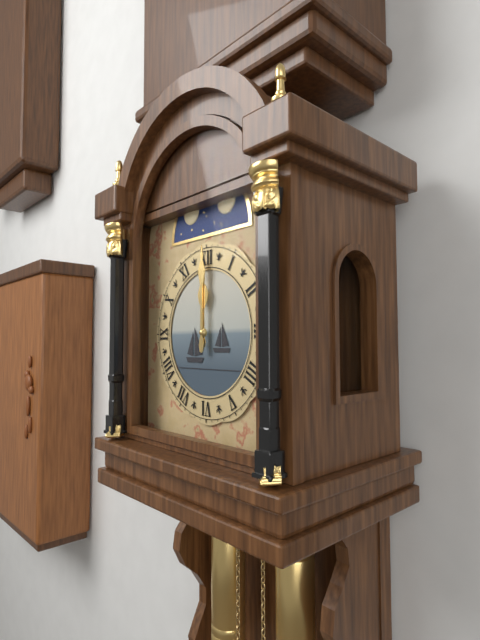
12:00
